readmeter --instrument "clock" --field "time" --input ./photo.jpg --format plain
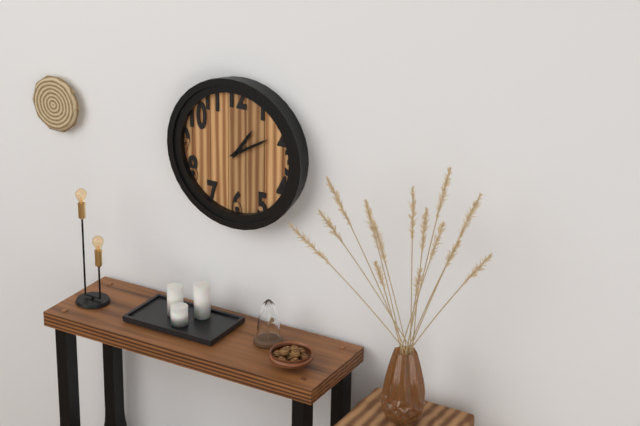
1:10
